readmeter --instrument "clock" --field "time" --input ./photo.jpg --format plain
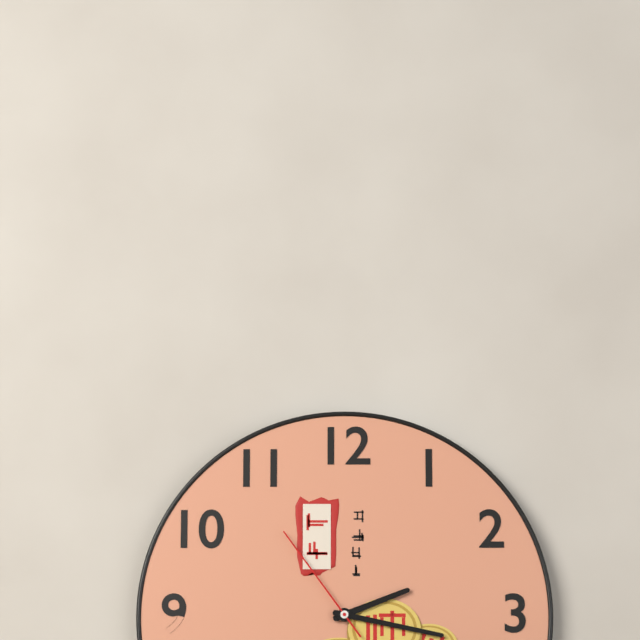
2:17:54
